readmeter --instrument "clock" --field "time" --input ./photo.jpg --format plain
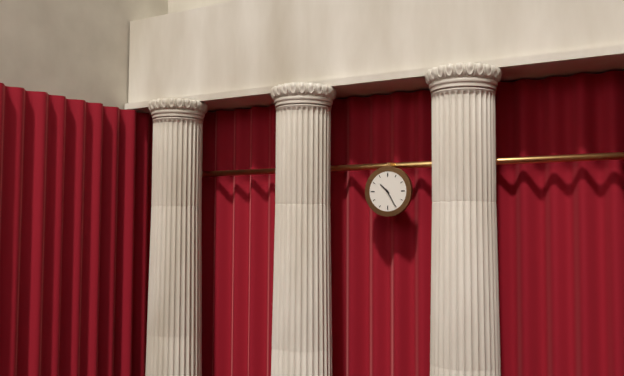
10:25
